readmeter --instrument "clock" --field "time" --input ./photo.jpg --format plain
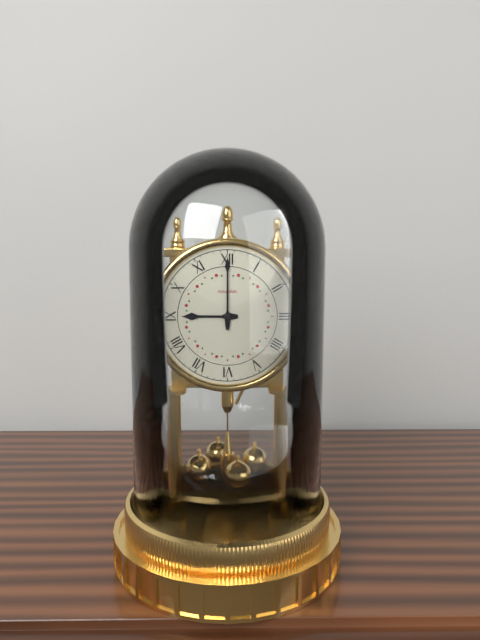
9:00
